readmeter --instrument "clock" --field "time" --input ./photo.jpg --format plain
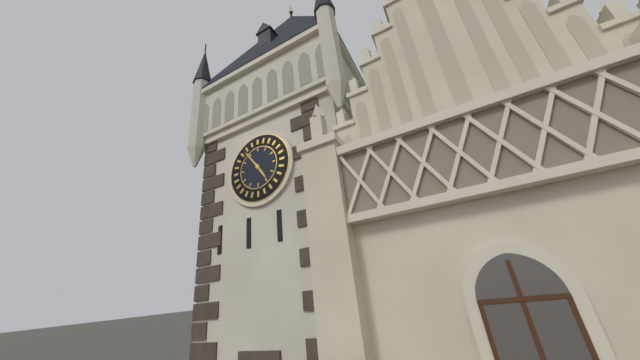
4:54
